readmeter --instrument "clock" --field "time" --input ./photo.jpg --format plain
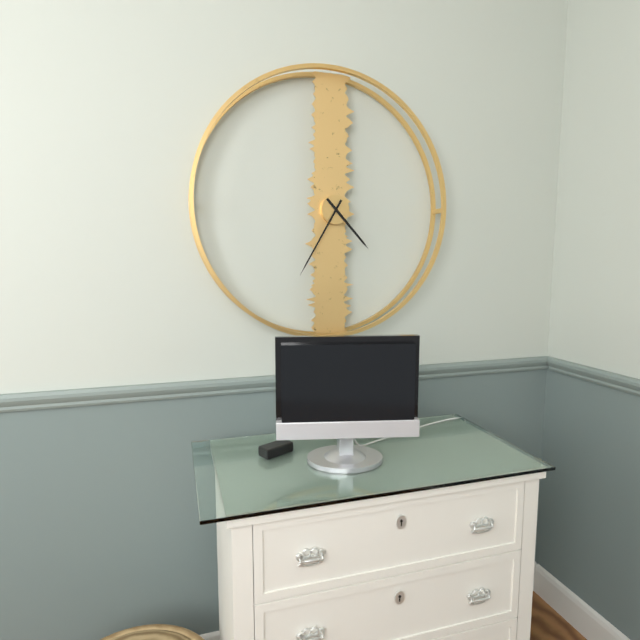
4:35
